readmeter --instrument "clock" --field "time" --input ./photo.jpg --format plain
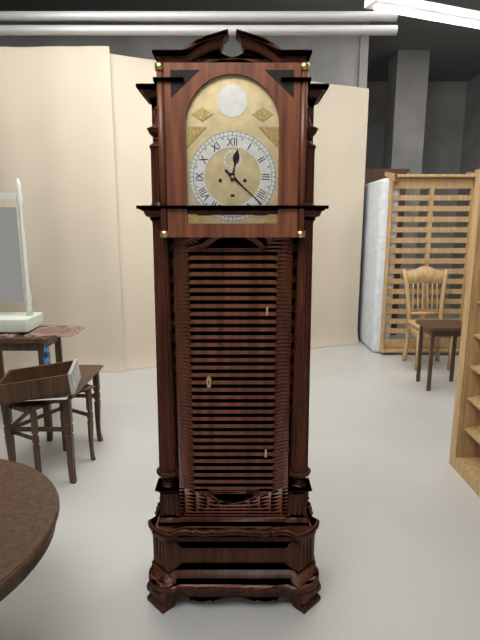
12:22
